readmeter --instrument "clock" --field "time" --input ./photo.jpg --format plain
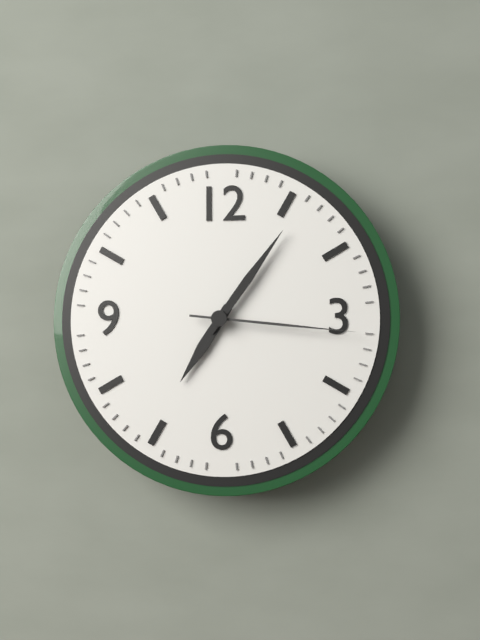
7:06:16
